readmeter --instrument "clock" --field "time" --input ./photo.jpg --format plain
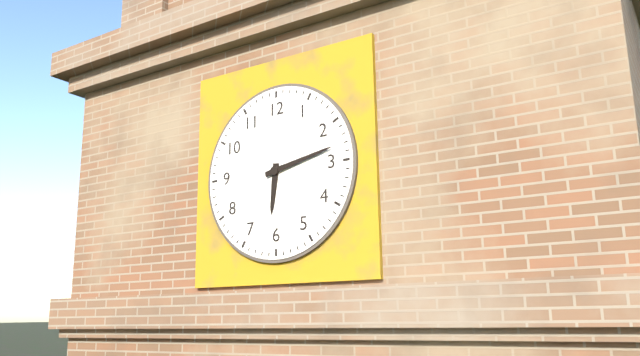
6:13
